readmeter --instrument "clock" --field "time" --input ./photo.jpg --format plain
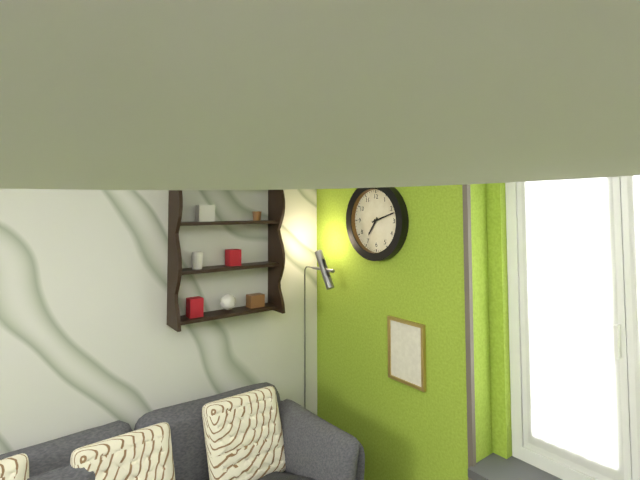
7:12
